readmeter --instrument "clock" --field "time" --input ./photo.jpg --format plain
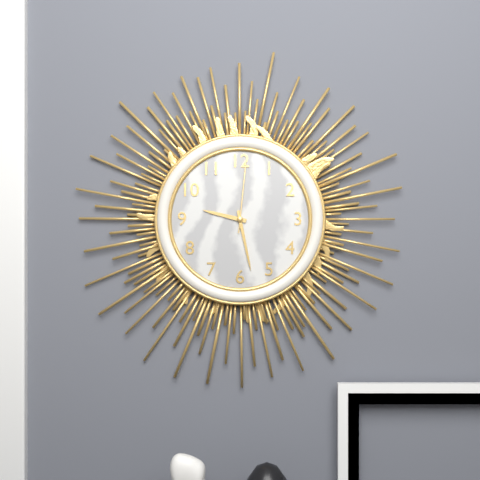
9:28:01
